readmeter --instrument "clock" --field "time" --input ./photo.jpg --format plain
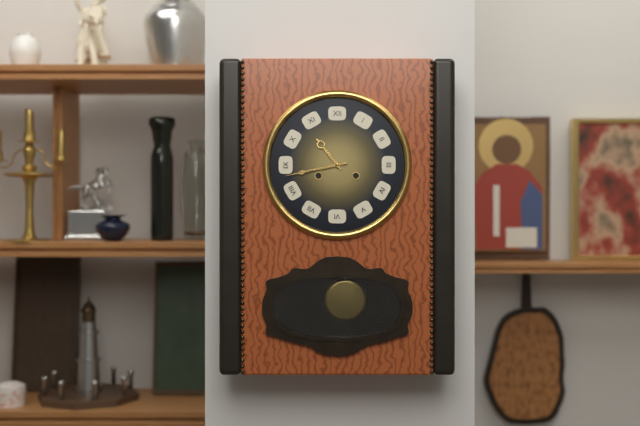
10:43
